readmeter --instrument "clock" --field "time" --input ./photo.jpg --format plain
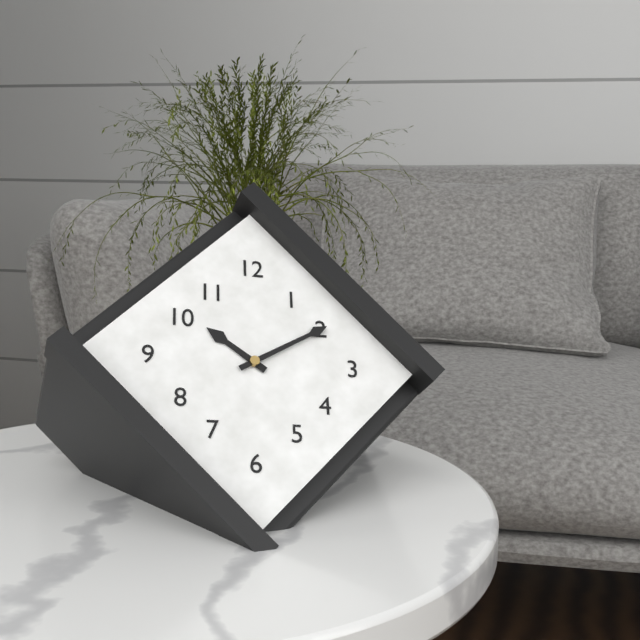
10:10
